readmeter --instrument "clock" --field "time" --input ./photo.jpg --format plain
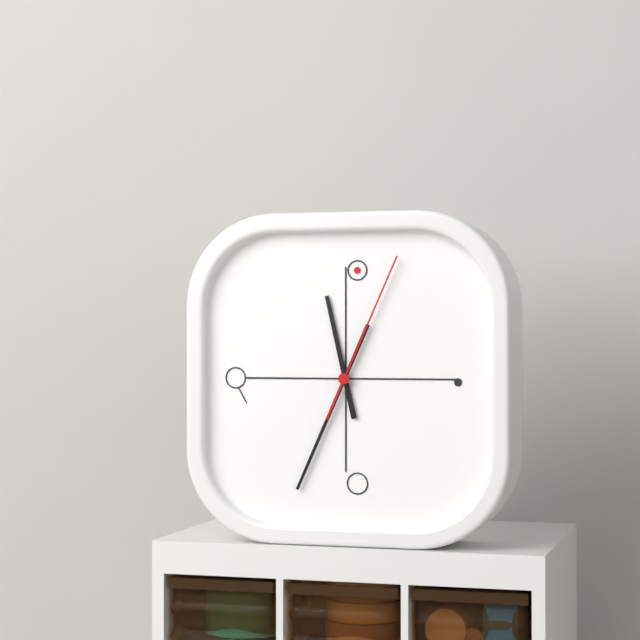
11:34:04
